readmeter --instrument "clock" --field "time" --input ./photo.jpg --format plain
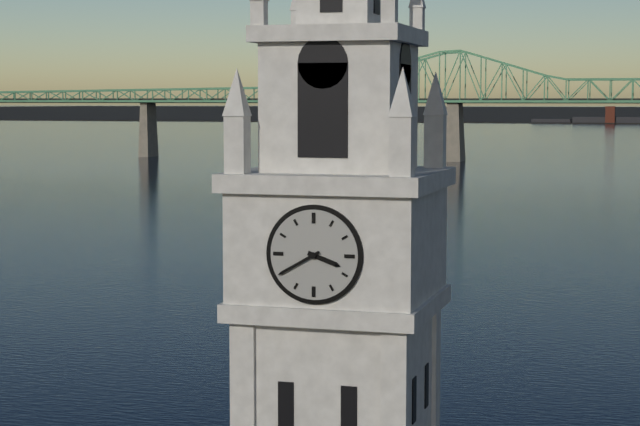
3:40
